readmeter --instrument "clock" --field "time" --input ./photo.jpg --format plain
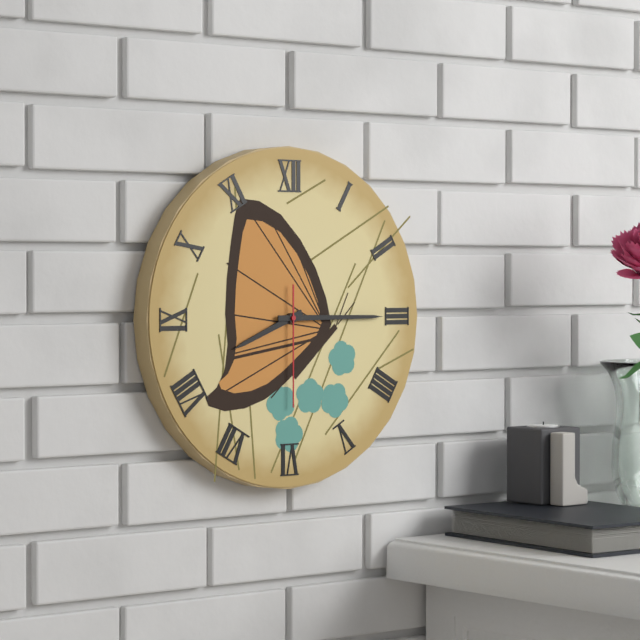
8:15:30
